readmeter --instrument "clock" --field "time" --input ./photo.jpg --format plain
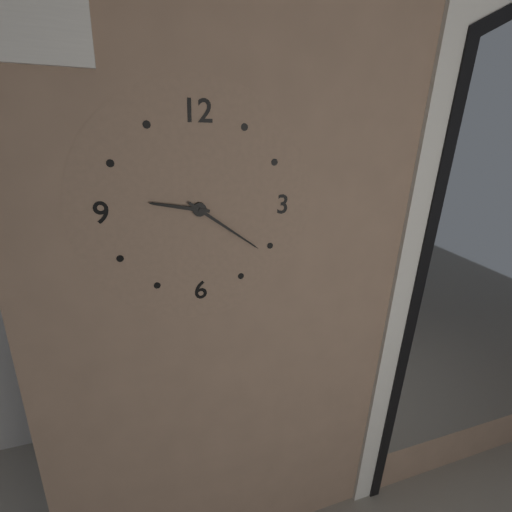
9:21
